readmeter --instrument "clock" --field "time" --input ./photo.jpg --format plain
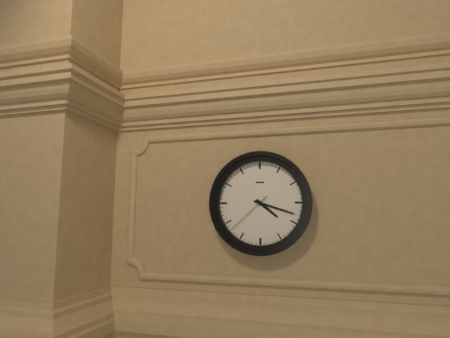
4:18
